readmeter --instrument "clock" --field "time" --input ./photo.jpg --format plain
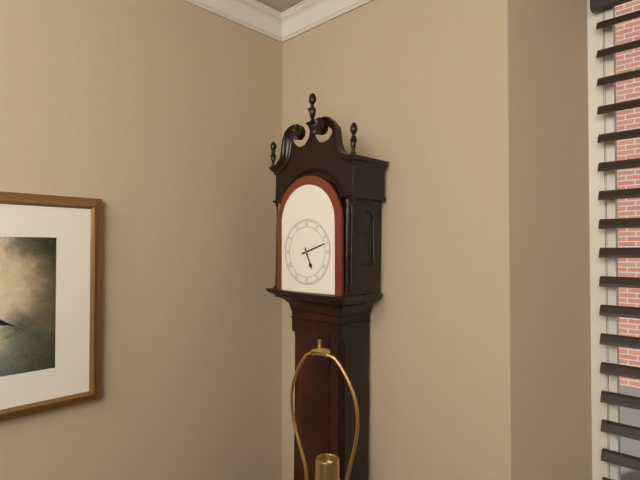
5:12
